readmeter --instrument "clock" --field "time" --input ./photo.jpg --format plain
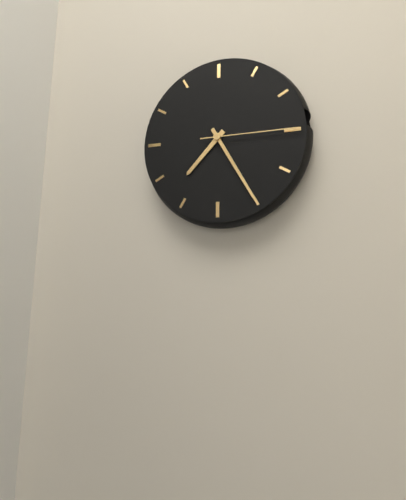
7:25:15
